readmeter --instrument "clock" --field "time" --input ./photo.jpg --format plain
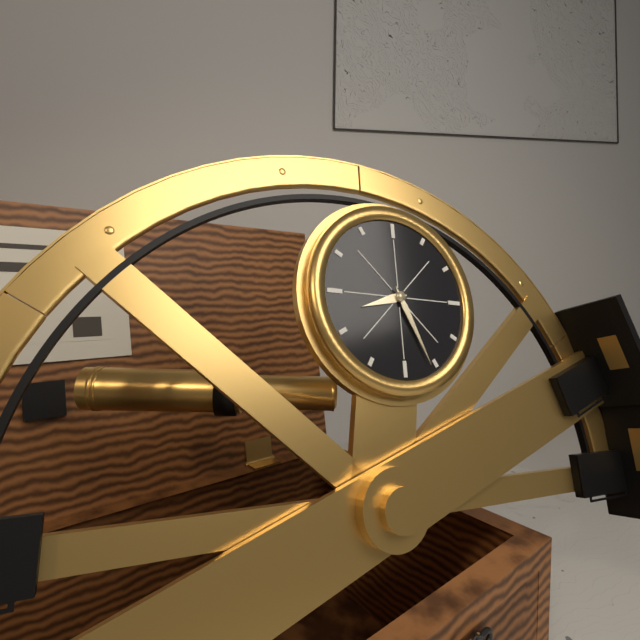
8:26
